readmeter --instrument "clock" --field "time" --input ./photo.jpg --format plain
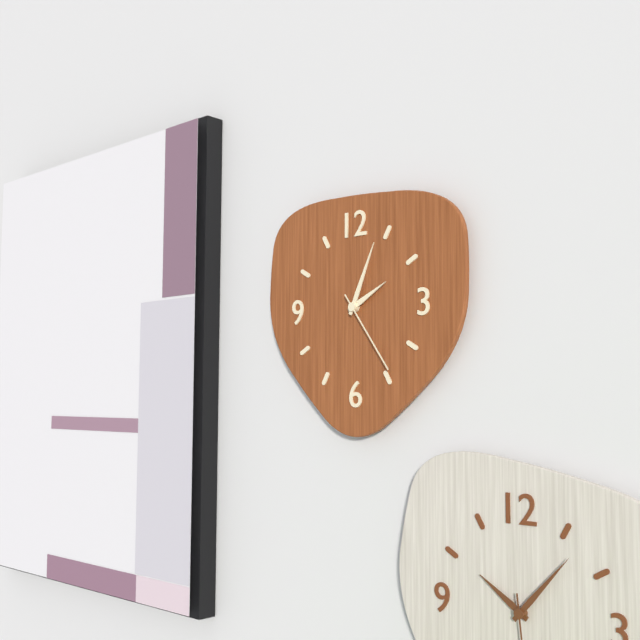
2:04:24
